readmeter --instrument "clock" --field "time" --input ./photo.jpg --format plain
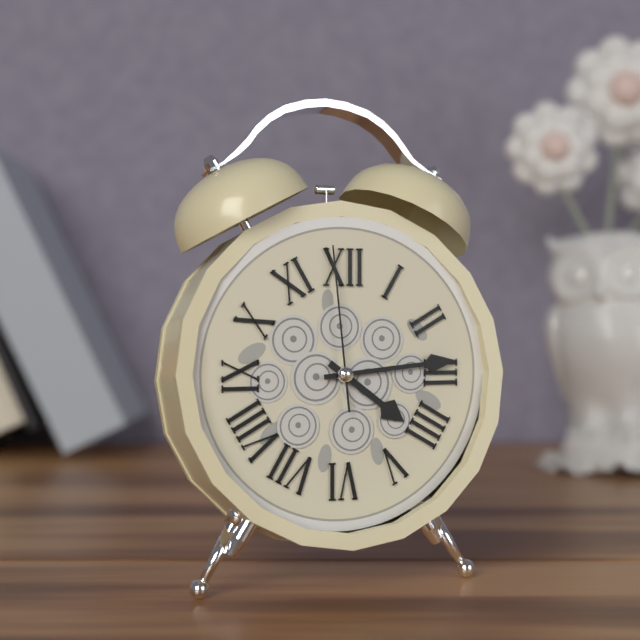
4:14:59
